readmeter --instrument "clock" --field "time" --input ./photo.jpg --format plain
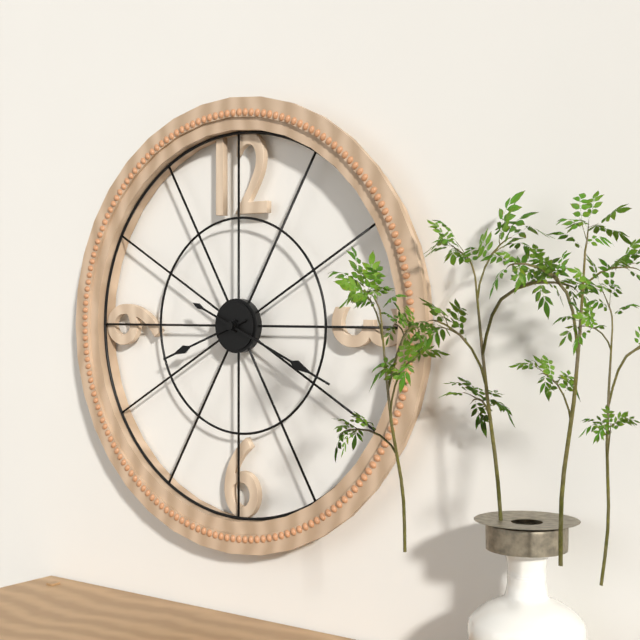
8:19
